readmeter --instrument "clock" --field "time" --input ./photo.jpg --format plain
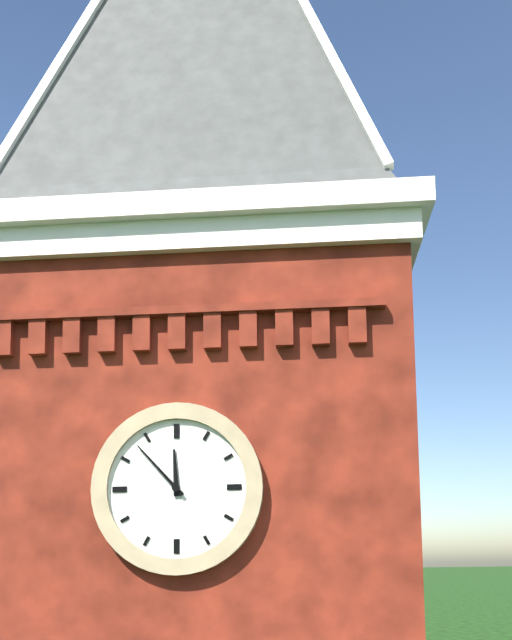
11:53
